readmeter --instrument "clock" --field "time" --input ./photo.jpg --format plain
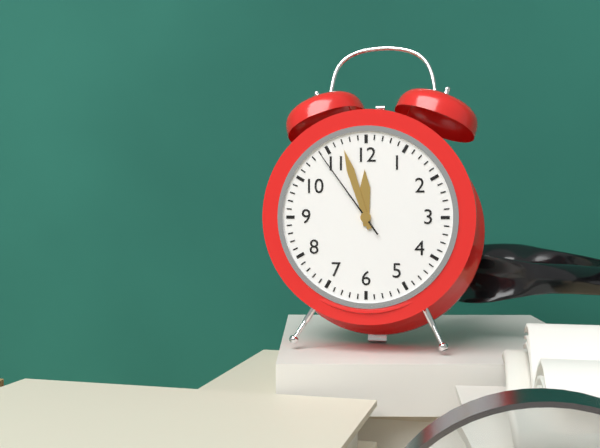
11:57:54
